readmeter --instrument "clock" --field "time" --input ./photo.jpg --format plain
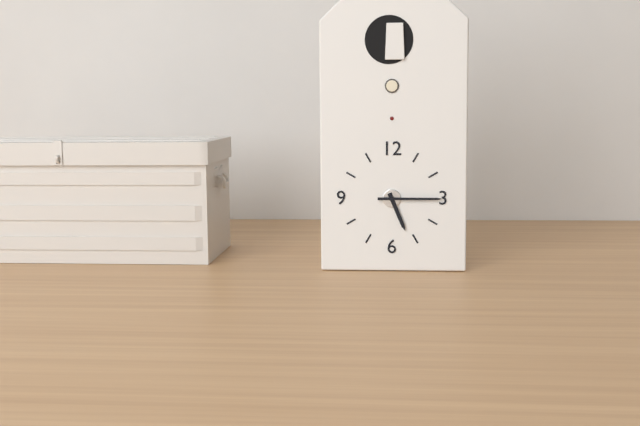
5:15
